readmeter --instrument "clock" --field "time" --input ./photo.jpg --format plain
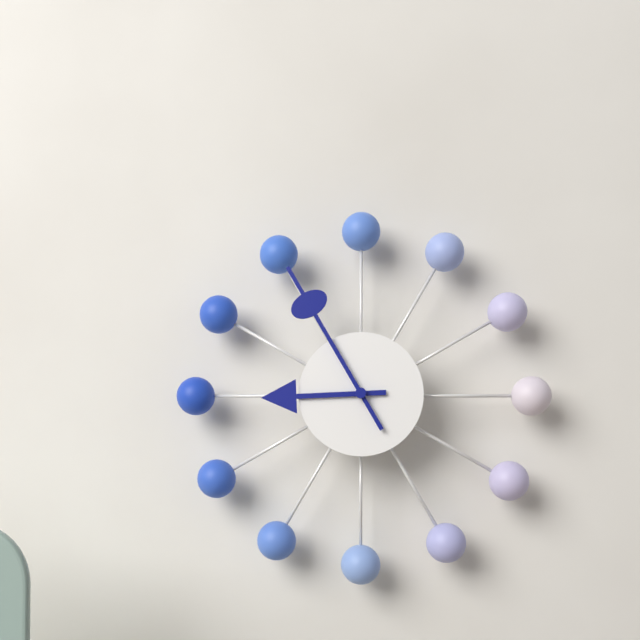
8:55
